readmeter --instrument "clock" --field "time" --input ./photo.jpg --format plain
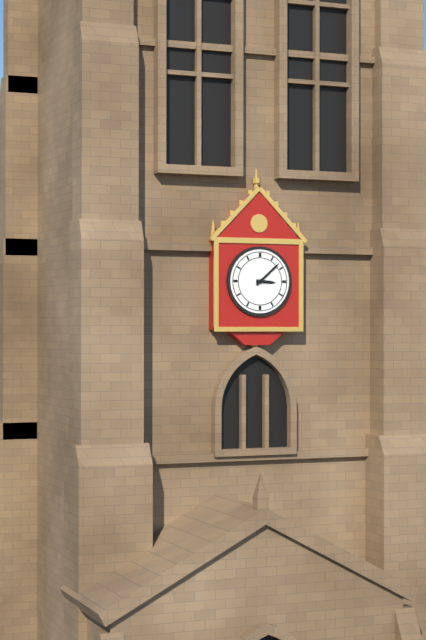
3:08
